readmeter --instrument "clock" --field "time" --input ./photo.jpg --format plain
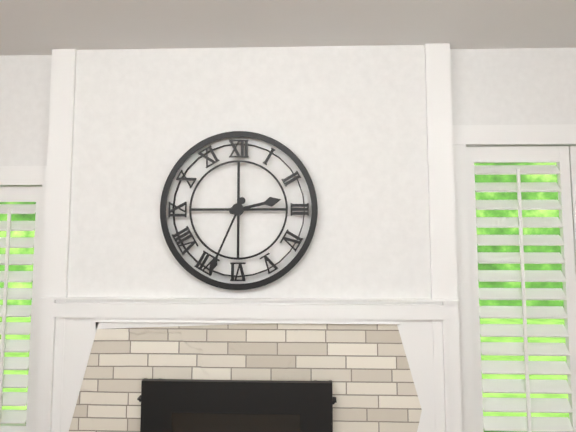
2:34
